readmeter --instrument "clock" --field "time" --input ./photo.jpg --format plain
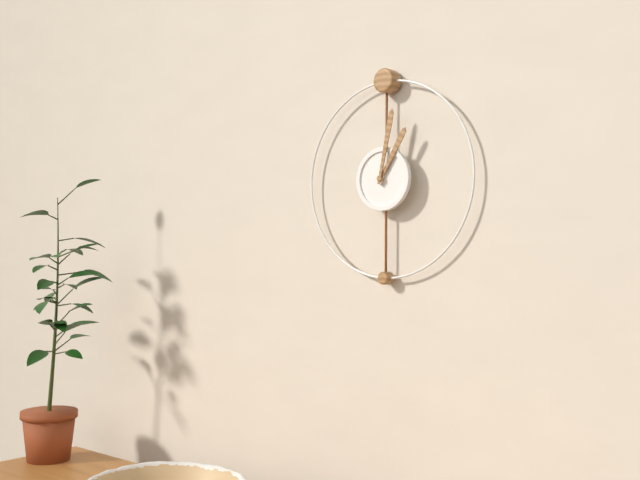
1:02
